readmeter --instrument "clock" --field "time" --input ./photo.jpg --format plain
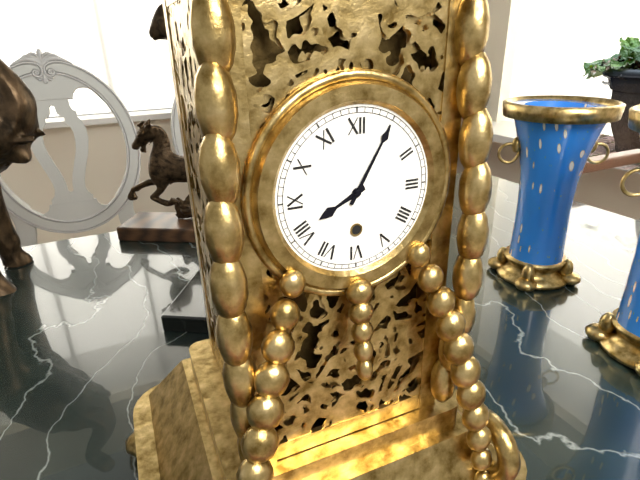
8:05
